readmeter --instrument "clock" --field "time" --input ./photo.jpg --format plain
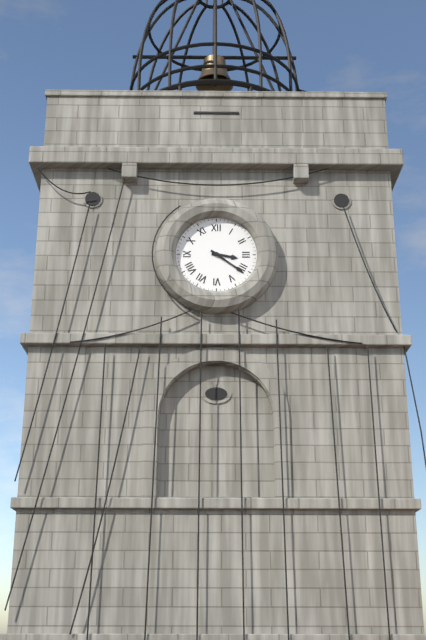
3:21
